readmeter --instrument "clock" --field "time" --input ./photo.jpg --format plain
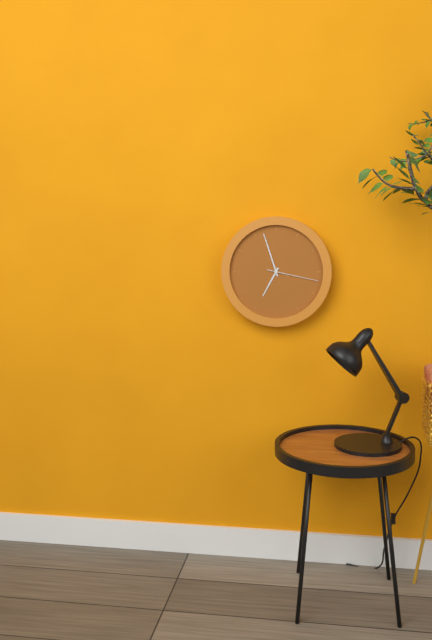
6:57:17
